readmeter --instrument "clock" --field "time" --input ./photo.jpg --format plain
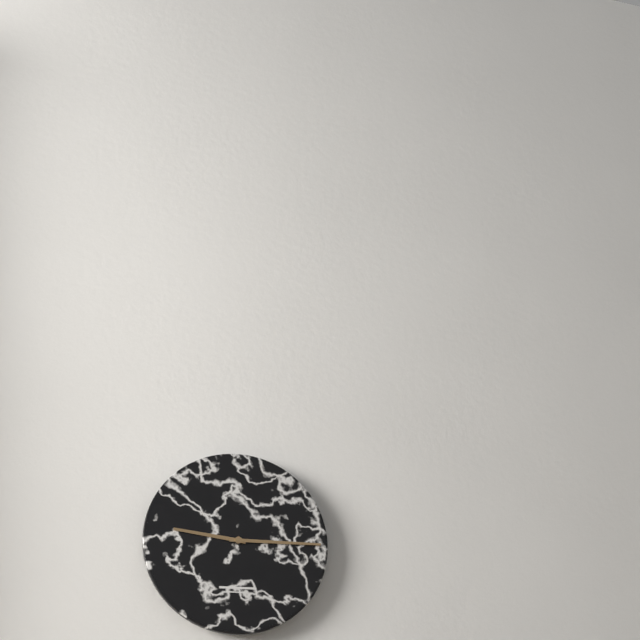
9:15
